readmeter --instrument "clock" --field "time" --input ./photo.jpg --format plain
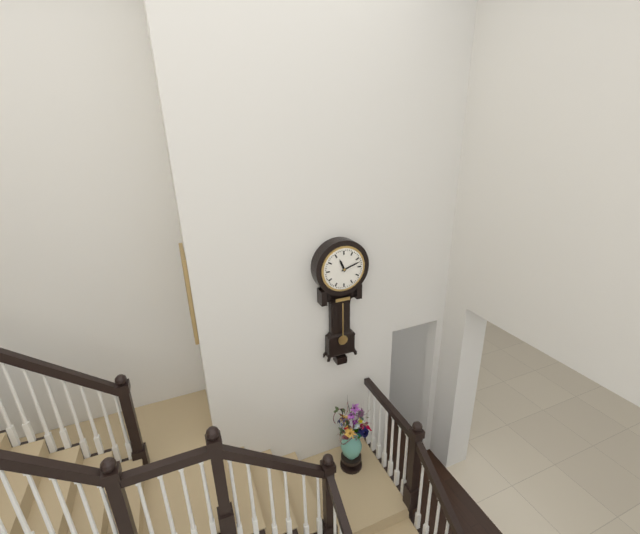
11:12
